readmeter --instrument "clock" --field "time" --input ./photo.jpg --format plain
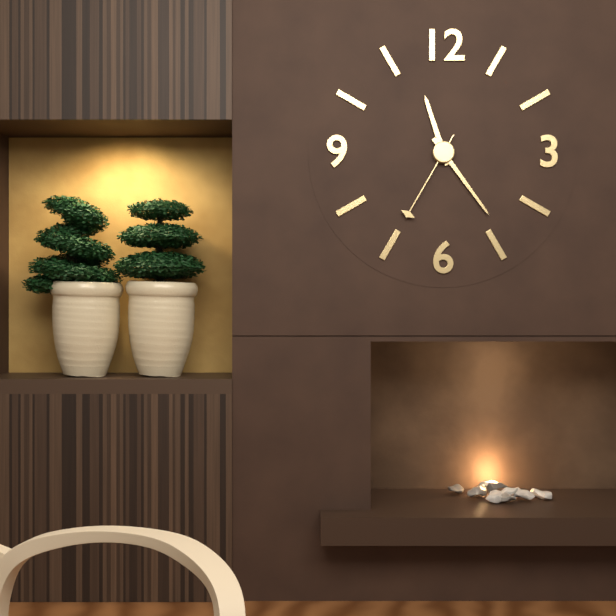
11:24:35
